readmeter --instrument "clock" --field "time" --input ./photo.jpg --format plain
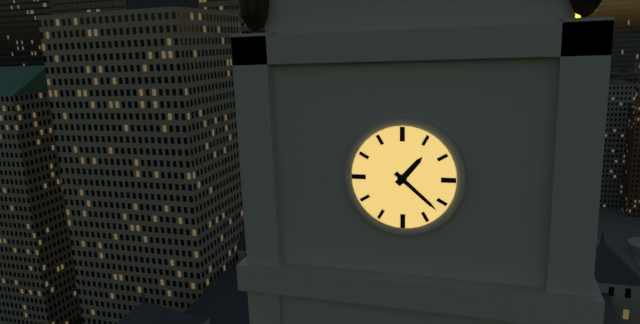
1:22
